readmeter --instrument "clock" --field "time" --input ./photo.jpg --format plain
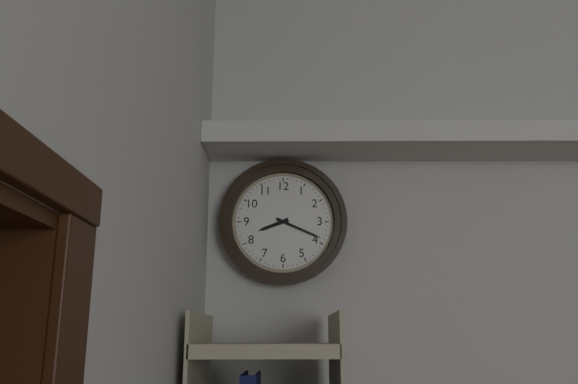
8:19
